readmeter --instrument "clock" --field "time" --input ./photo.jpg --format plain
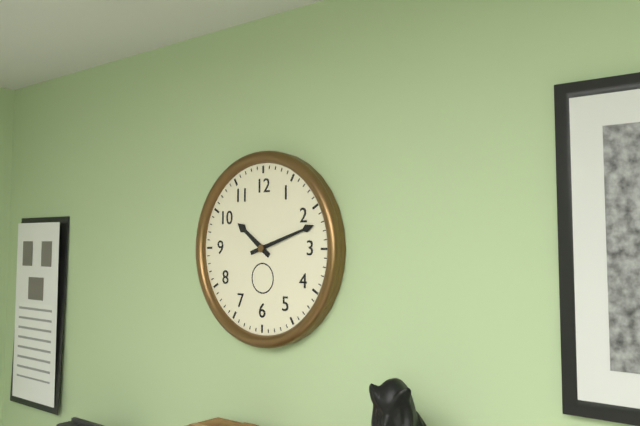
10:12
